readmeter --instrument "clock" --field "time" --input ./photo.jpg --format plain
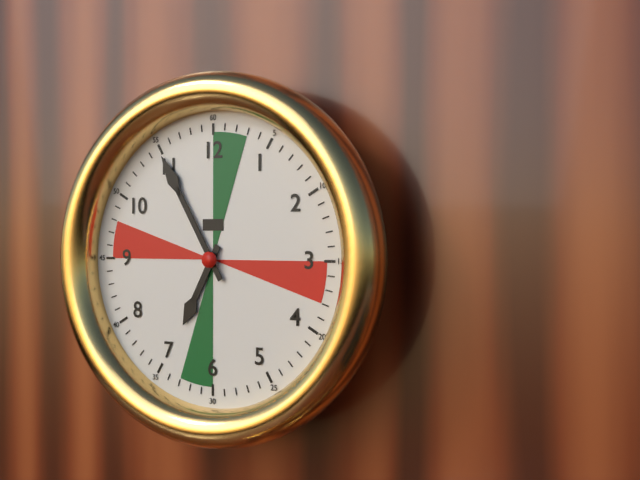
6:55
